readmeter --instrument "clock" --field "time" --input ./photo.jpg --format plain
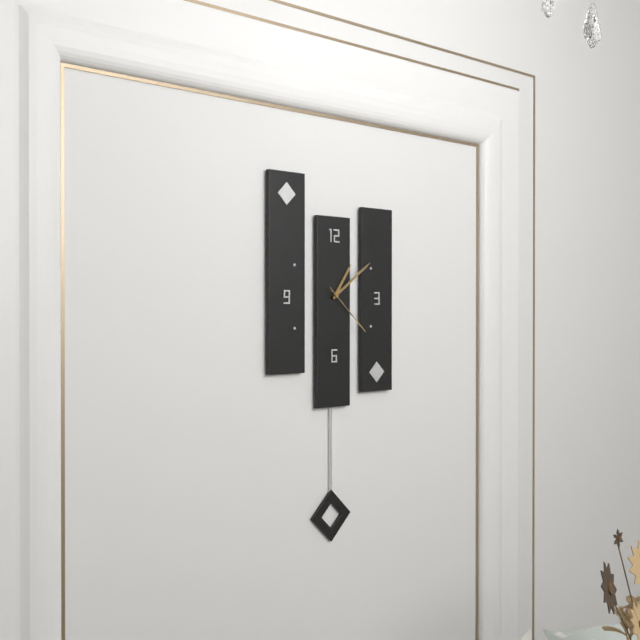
1:09:22
